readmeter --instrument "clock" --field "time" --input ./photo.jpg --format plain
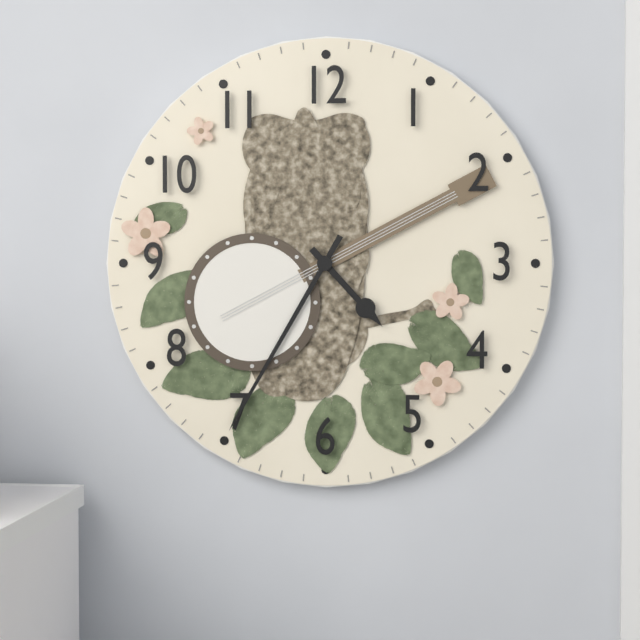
4:35
